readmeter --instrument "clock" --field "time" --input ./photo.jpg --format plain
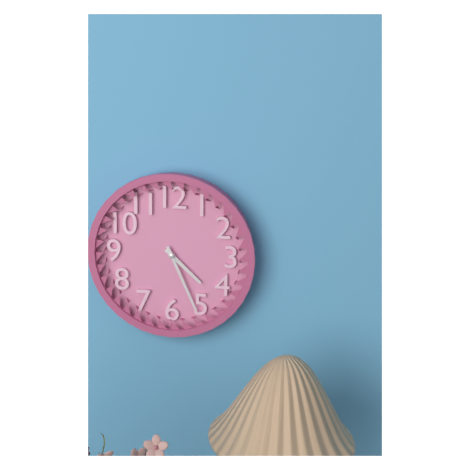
4:26
